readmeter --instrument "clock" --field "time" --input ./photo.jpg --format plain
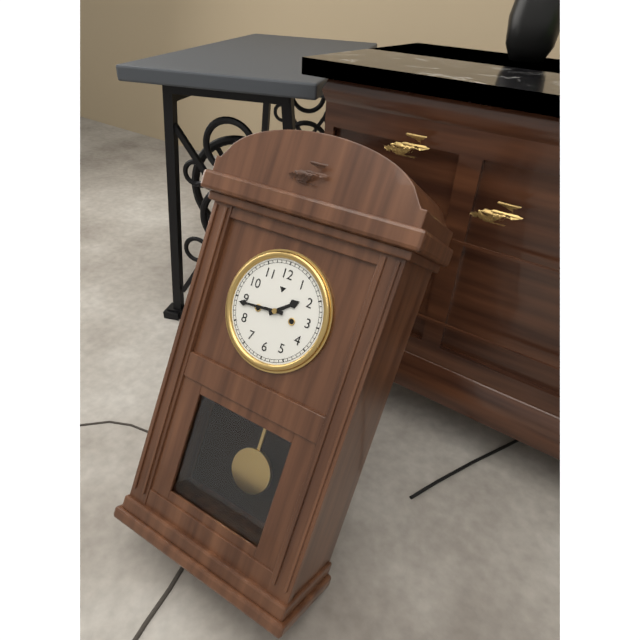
1:44
